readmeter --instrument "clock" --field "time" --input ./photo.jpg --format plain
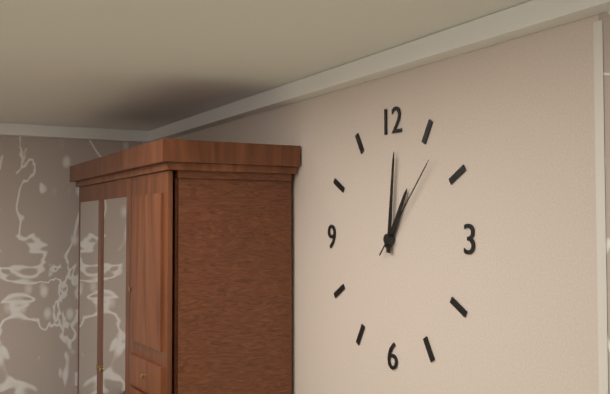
1:01:07
